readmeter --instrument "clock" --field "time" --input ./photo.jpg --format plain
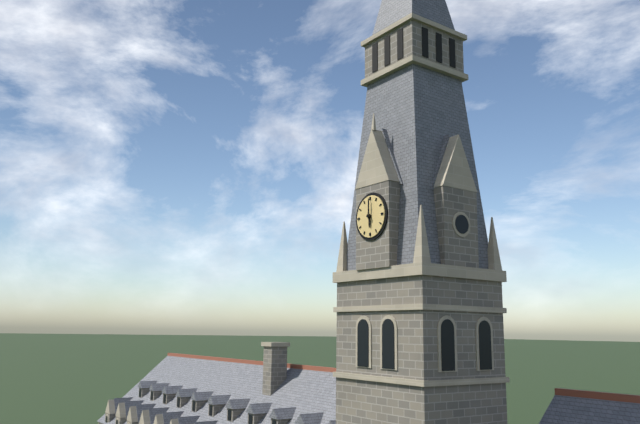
6:00
